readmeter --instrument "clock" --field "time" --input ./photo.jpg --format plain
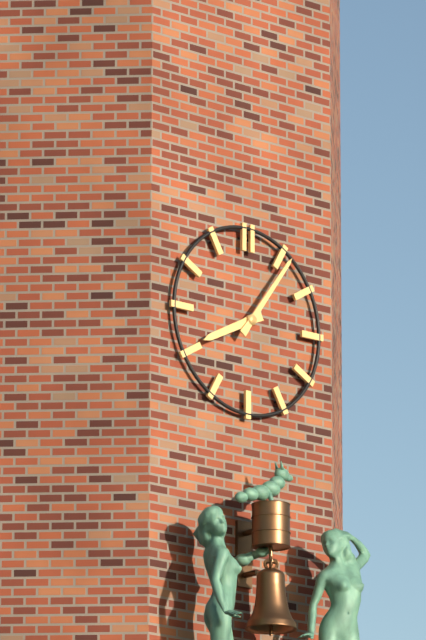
8:06
